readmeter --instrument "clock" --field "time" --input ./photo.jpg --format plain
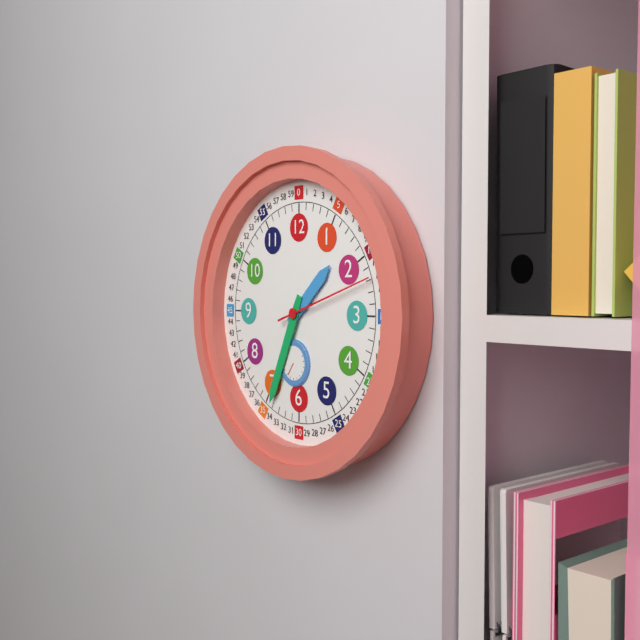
1:34:12
